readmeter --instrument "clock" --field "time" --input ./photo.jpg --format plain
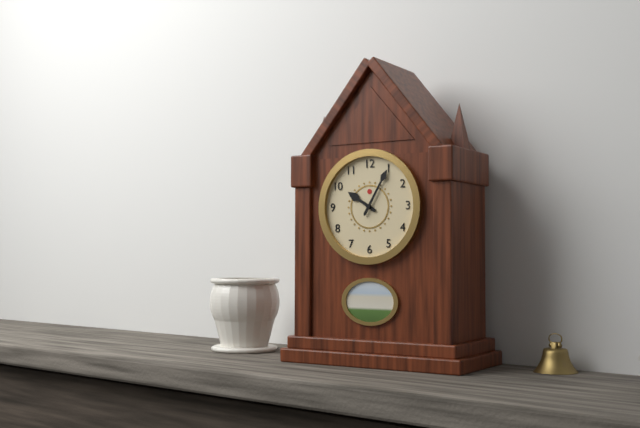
10:05
